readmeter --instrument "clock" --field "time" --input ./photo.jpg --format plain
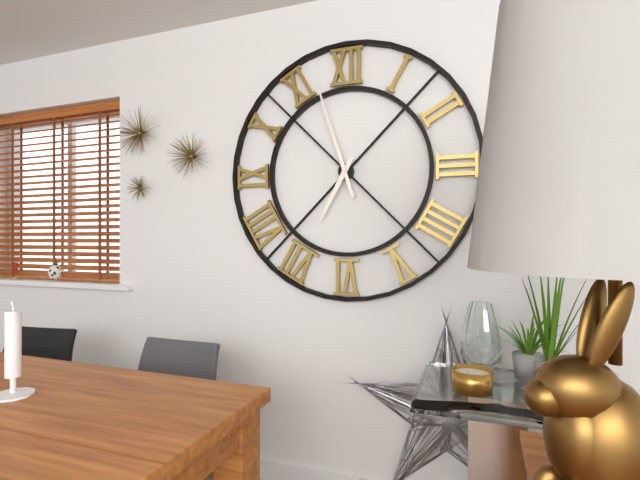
6:57
